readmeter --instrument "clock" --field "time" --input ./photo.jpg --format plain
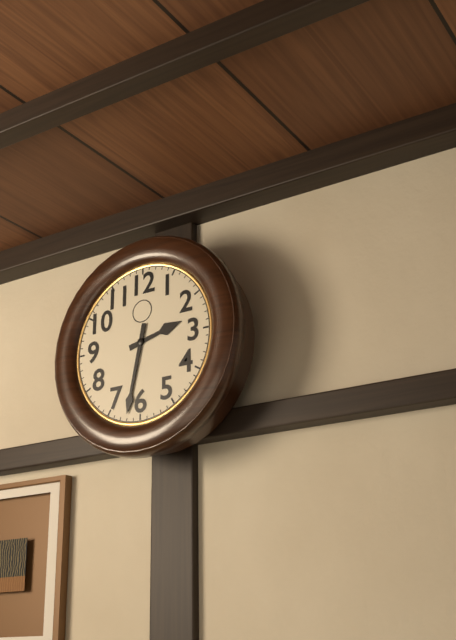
2:32
